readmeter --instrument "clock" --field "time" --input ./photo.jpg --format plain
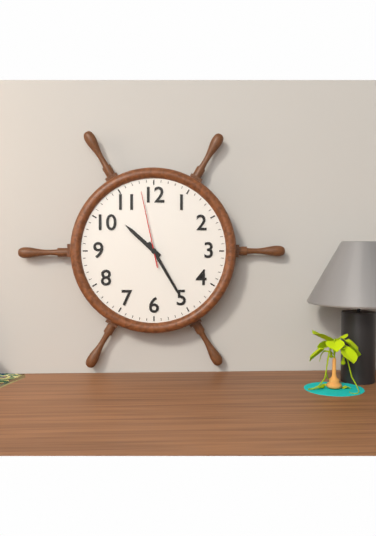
10:25:58
